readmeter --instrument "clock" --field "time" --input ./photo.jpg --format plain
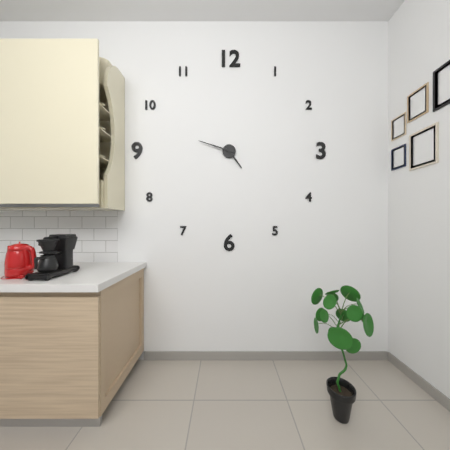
4:48
